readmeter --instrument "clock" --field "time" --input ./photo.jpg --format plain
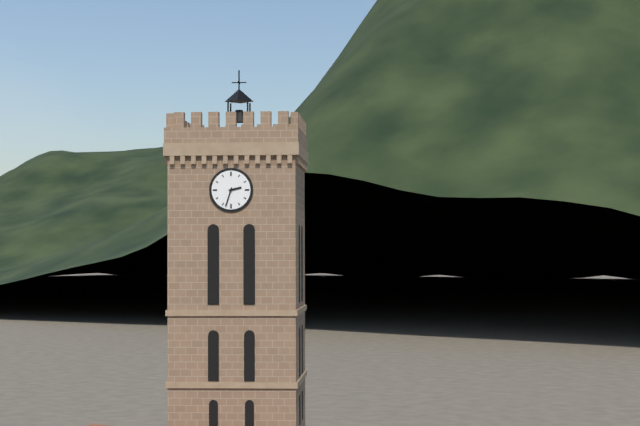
2:33
